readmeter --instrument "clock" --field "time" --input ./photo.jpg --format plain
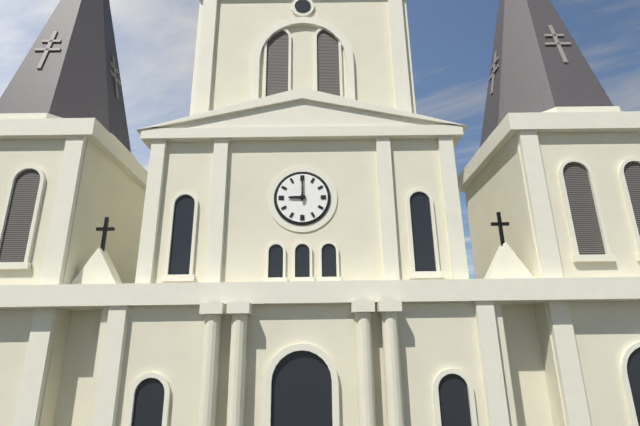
9:00
